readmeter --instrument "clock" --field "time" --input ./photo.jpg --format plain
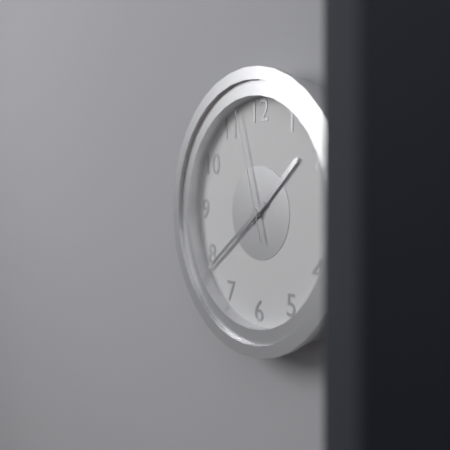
1:39:57
